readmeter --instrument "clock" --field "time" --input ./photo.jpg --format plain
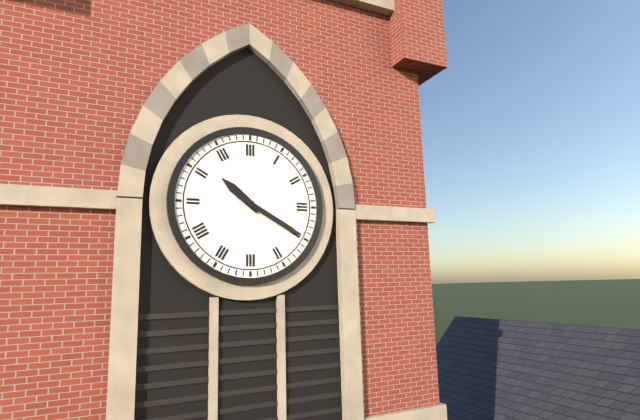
10:20
